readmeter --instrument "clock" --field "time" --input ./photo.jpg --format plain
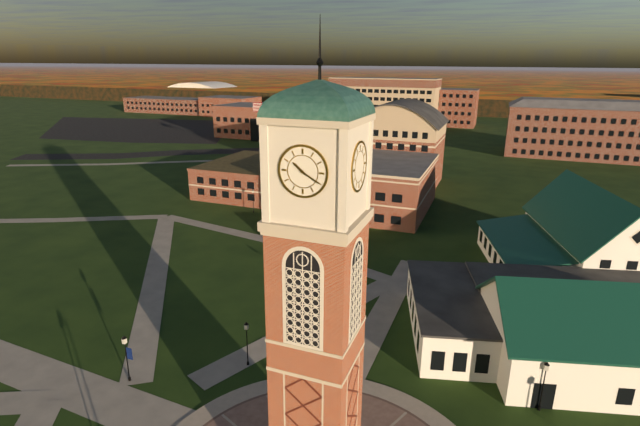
10:20
